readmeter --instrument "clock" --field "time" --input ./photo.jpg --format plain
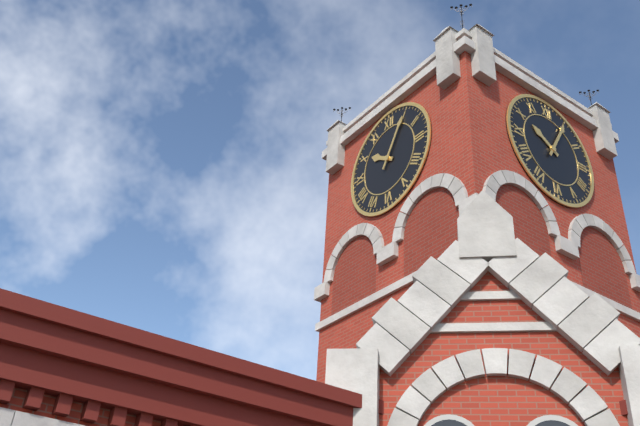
10:05
